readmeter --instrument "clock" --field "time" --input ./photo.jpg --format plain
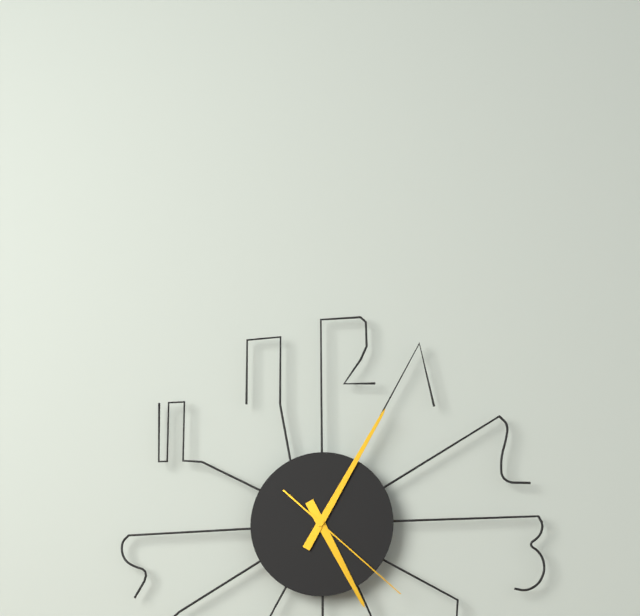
5:05:22
